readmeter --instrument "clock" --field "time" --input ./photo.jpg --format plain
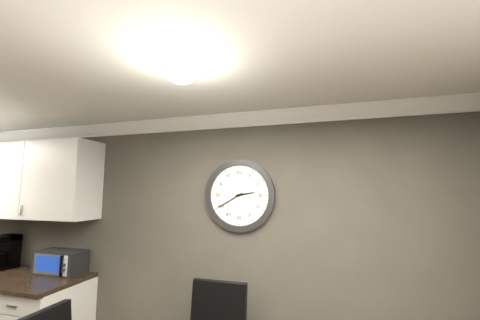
2:40
